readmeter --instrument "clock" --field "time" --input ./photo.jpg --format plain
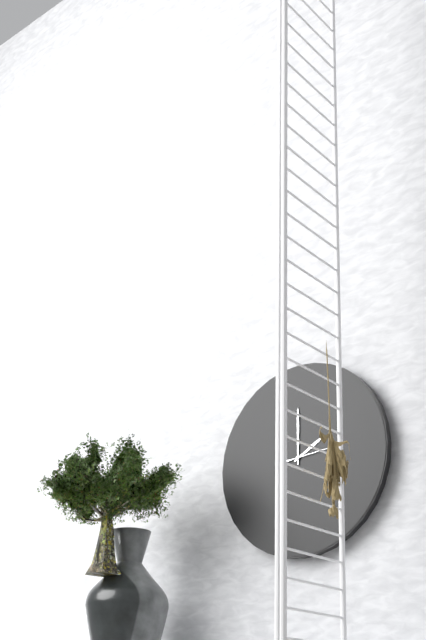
2:00
